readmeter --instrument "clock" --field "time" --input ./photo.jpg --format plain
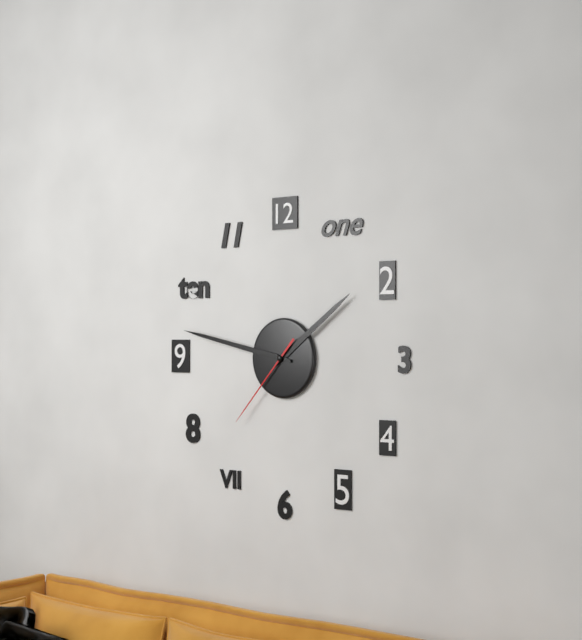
1:47:37
